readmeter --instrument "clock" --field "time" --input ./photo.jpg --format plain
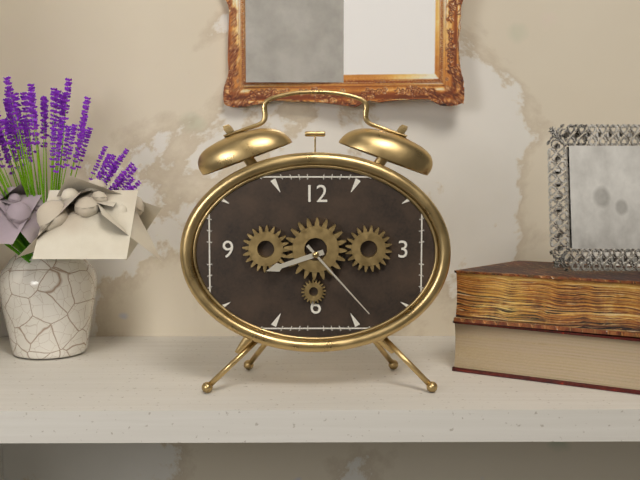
8:23
